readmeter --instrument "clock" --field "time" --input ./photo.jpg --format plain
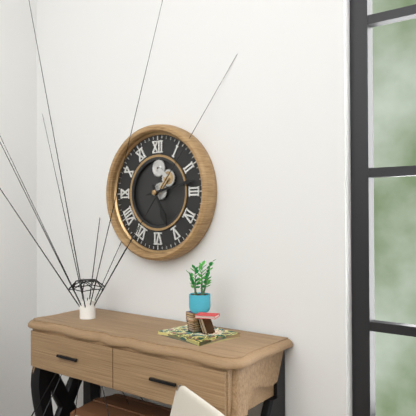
5:13
